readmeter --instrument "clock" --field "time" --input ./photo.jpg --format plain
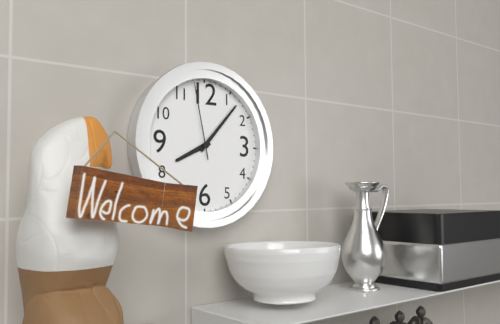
8:07:58
